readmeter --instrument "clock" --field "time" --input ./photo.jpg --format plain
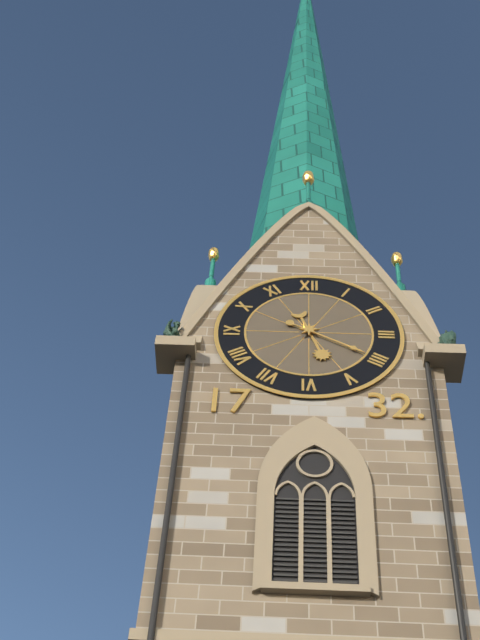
5:20
